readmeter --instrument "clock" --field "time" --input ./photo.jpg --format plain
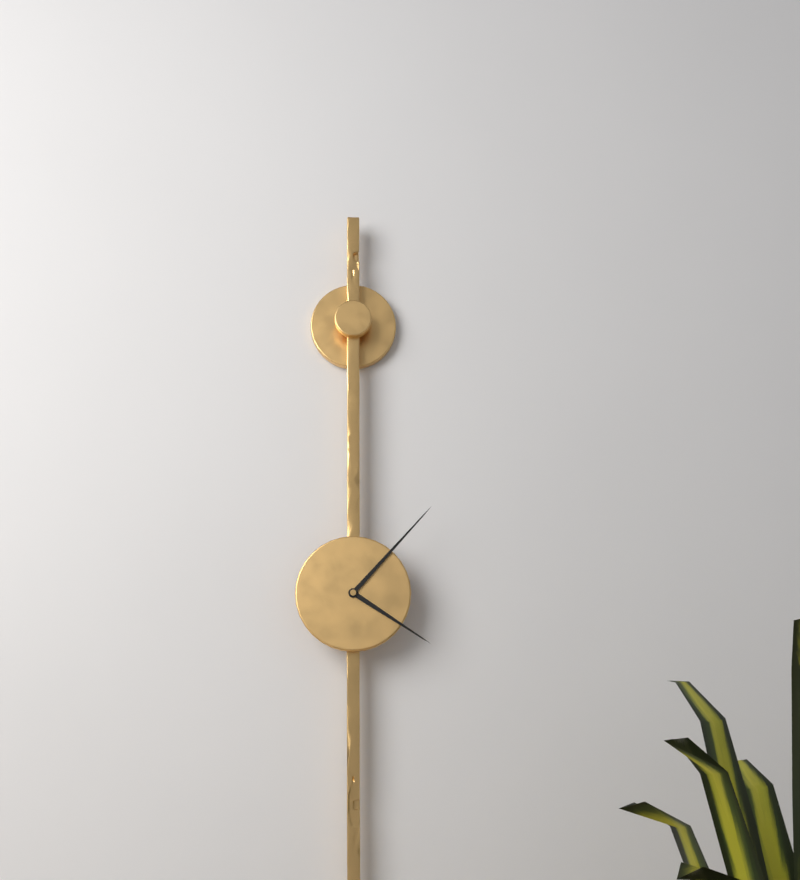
4:07
